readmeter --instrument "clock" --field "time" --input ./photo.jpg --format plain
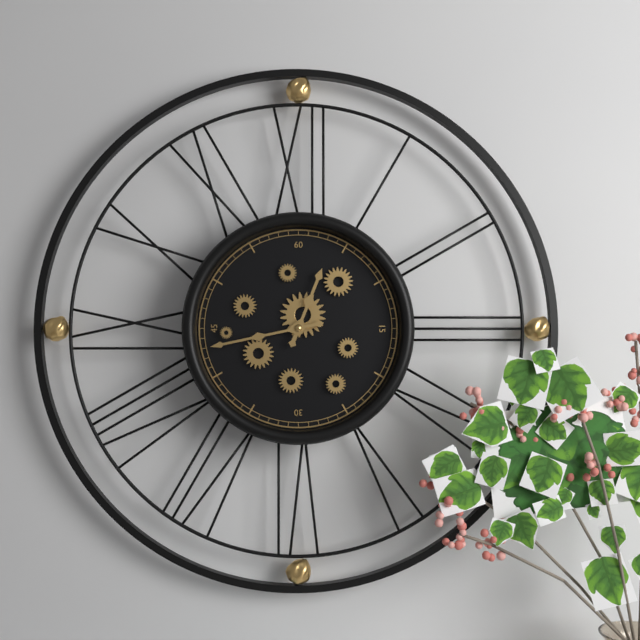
12:43
